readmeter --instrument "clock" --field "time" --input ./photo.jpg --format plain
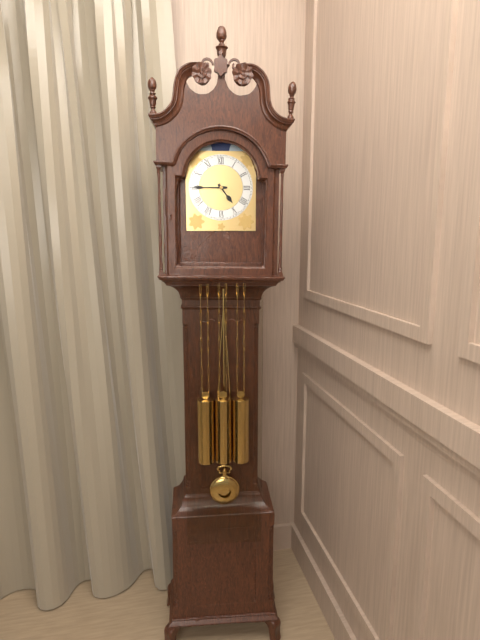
4:45
